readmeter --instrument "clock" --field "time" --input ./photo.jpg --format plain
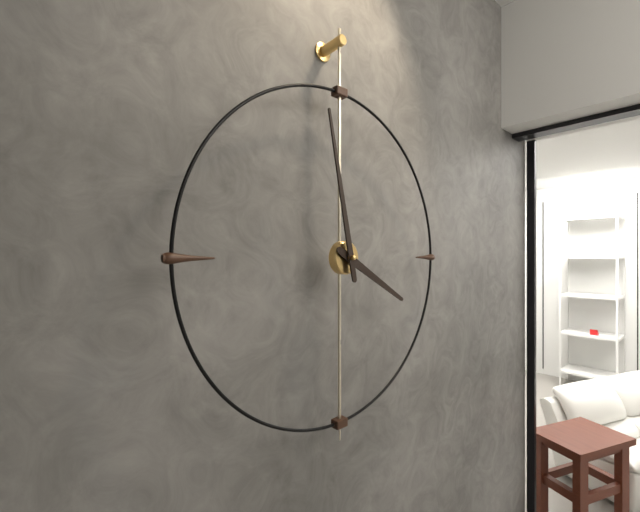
3:58
